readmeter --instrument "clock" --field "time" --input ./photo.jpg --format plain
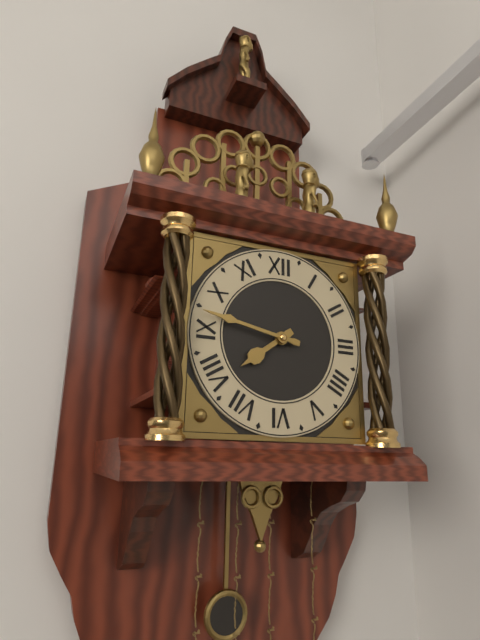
7:47
